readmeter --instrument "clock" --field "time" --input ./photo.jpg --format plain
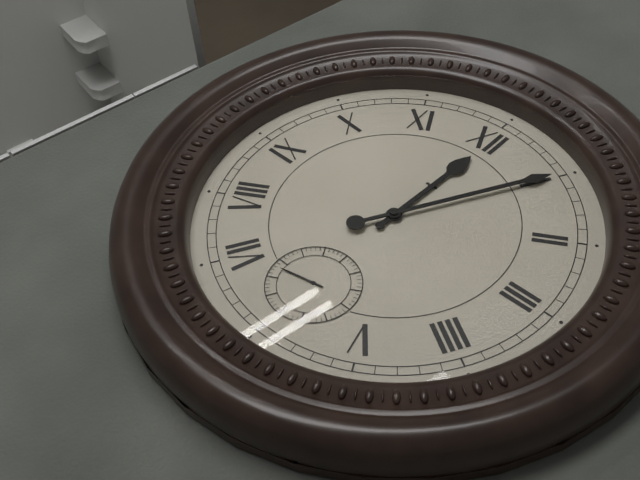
12:05
